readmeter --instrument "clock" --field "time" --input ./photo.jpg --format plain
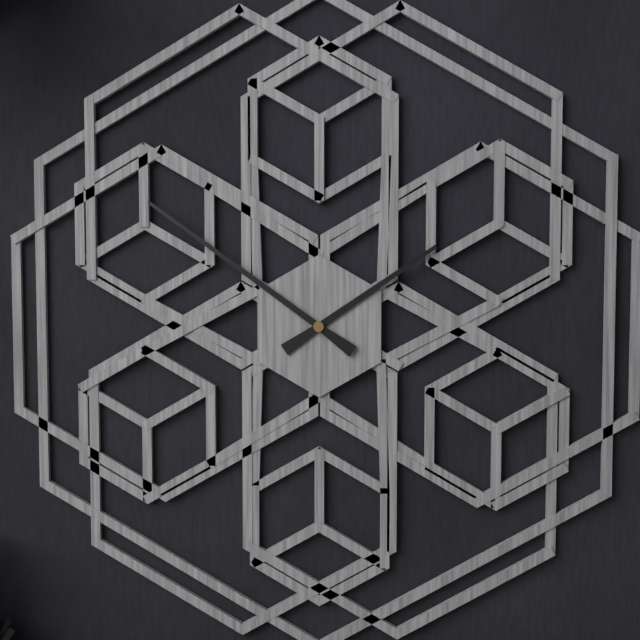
1:51
